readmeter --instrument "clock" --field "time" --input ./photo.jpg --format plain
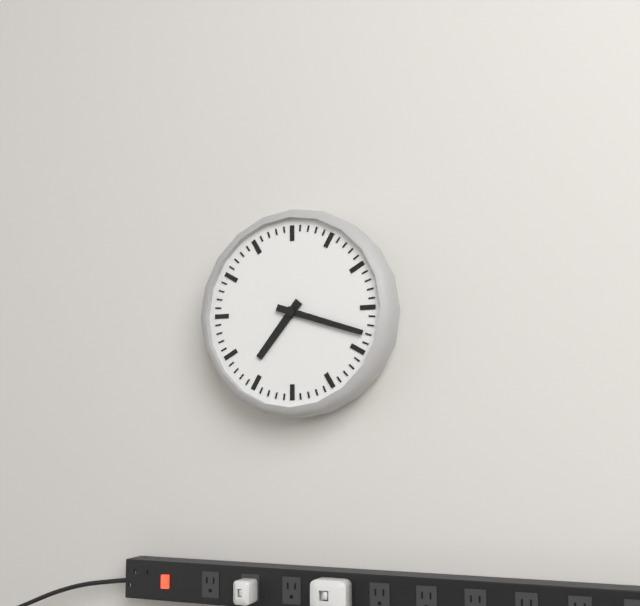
7:18
